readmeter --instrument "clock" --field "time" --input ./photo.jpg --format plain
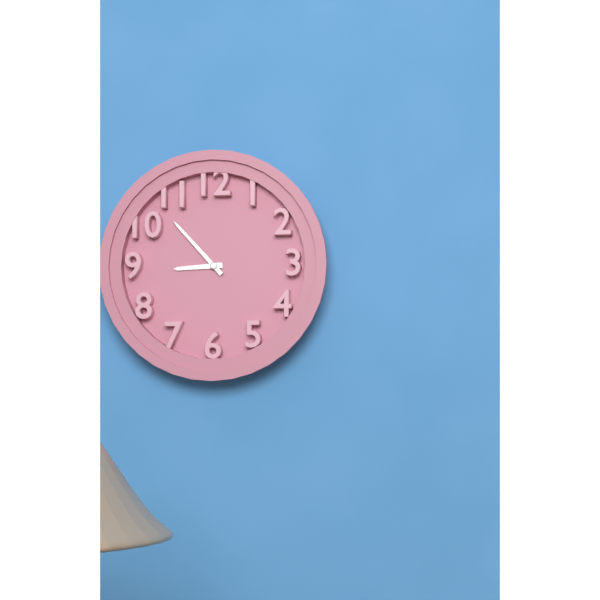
8:53
